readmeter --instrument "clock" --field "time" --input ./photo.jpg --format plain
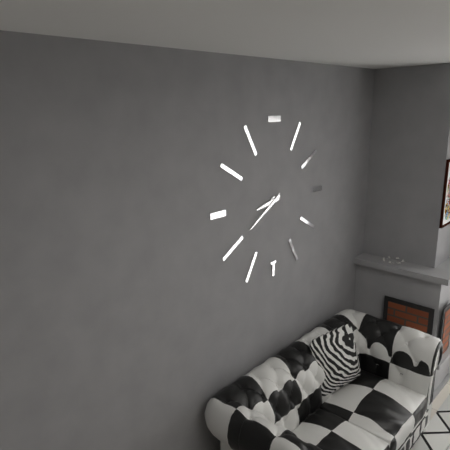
8:40
